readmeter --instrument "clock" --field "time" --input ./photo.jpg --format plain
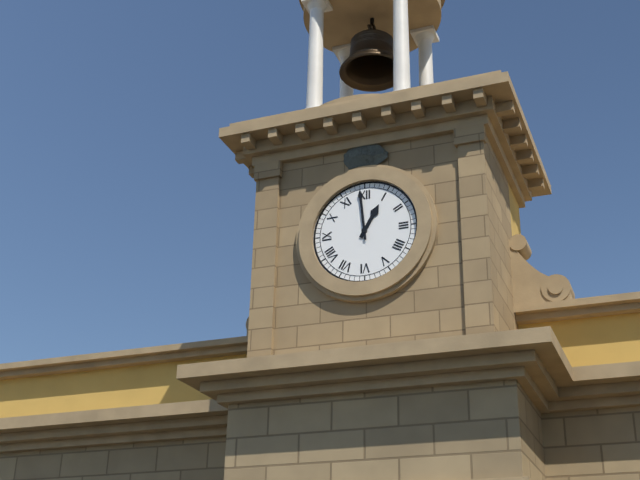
12:59
